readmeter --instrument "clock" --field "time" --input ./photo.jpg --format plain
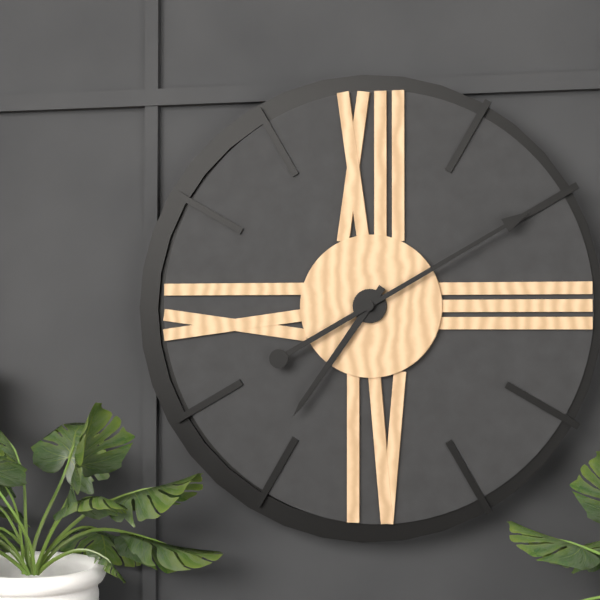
7:10
